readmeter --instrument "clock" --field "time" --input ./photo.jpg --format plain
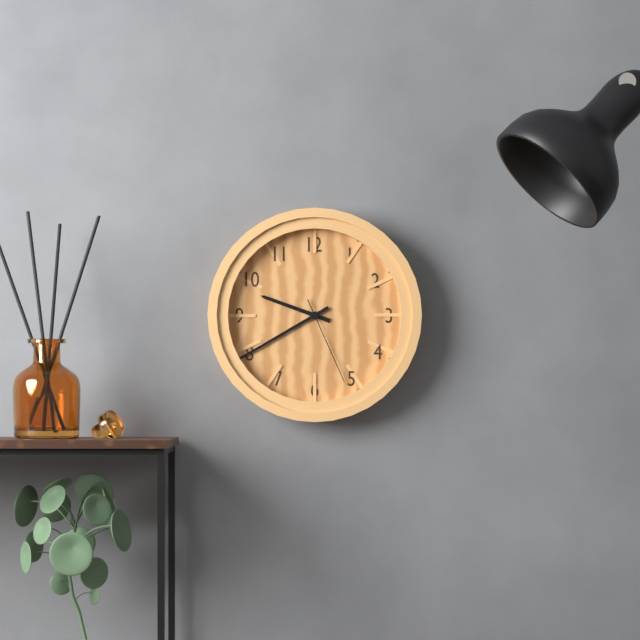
9:40:26
